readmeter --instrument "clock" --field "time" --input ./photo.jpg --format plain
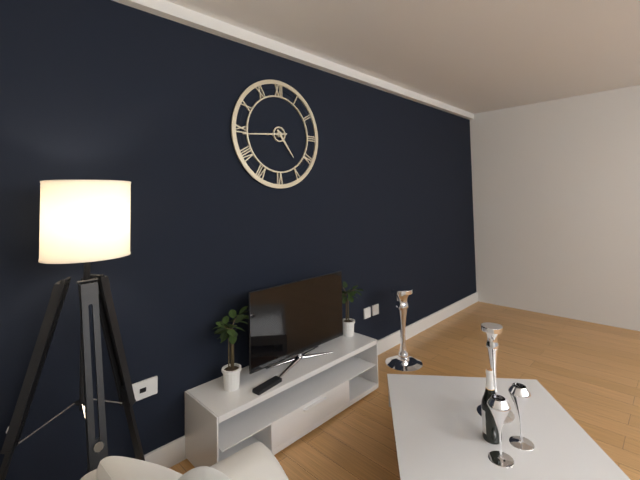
4:44
